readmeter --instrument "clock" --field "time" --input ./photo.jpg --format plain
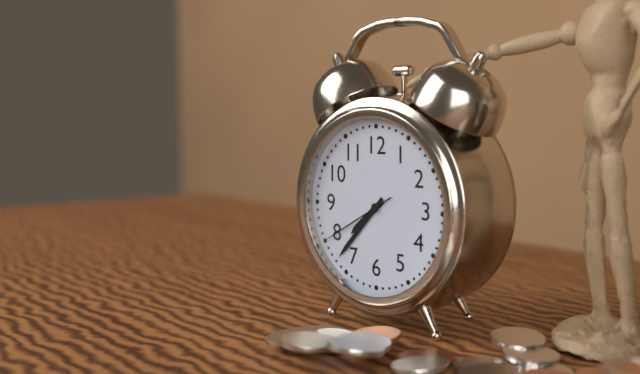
7:37:40
